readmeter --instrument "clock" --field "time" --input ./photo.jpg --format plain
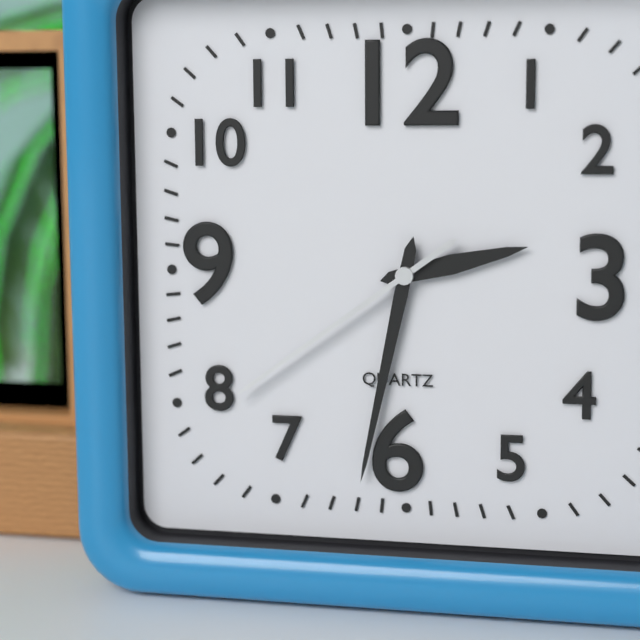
2:32:39
